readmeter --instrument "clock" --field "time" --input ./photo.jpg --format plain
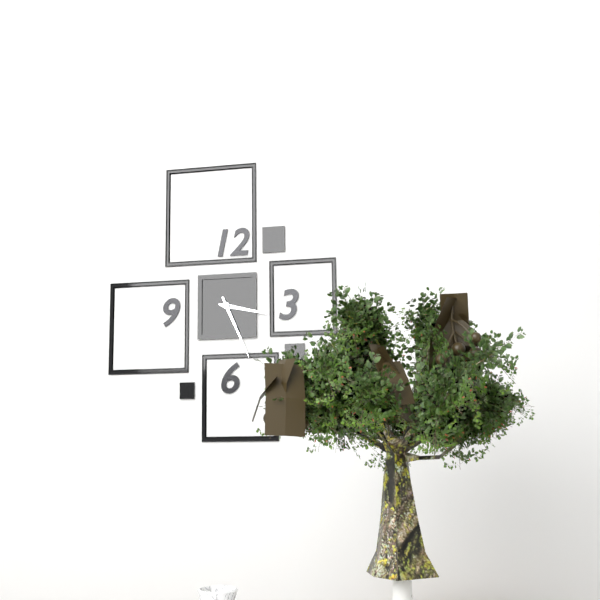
3:26
